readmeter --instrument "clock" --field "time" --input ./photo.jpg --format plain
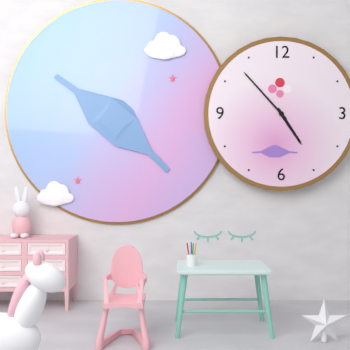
4:53
